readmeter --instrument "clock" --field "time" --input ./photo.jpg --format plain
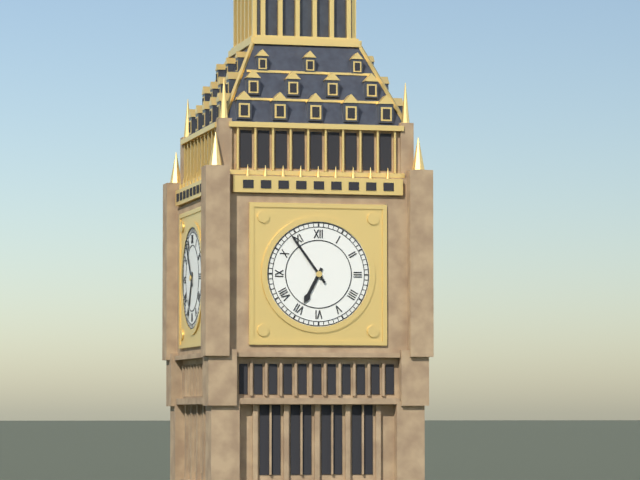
6:54
